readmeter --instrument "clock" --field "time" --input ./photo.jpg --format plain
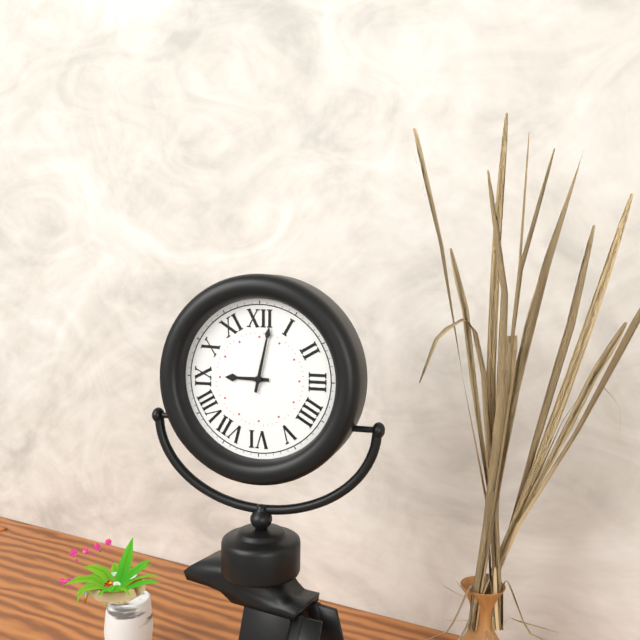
9:02
